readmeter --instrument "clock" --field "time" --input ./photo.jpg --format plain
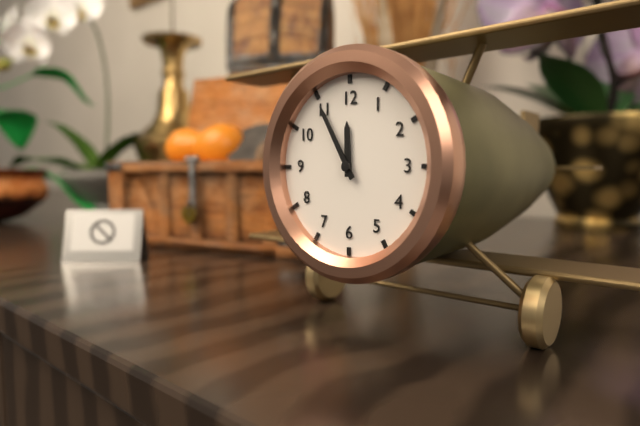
11:55
